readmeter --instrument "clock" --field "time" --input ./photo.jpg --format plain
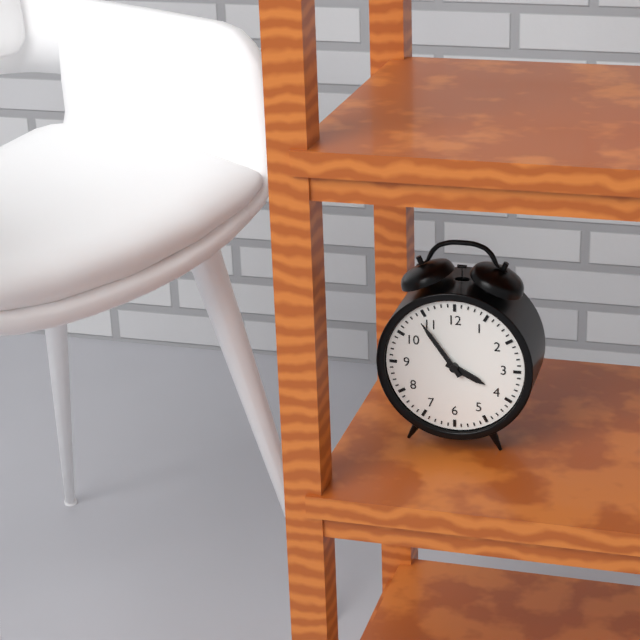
3:54
